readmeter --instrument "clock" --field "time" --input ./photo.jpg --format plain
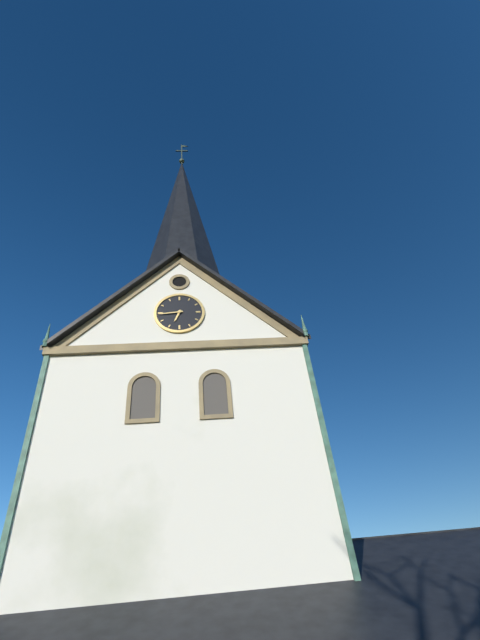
6:44
